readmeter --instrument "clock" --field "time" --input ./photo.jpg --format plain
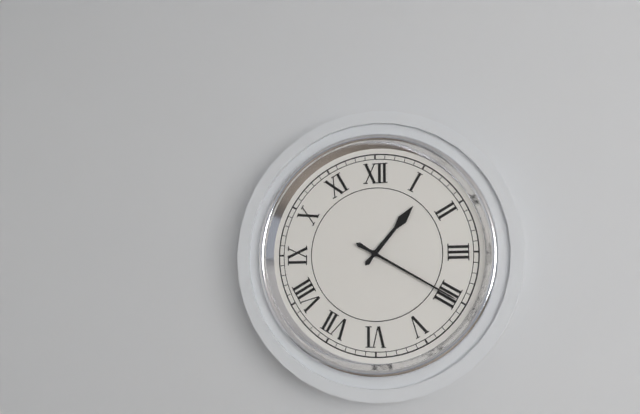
1:20
